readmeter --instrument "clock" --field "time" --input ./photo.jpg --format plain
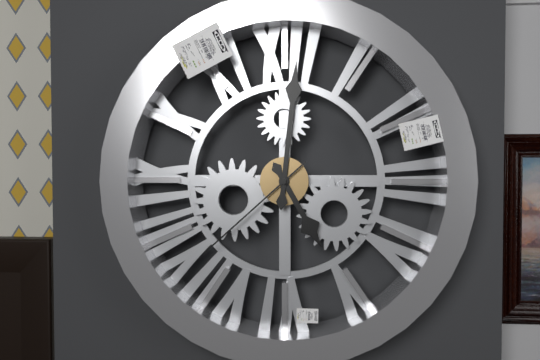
5:01:38
